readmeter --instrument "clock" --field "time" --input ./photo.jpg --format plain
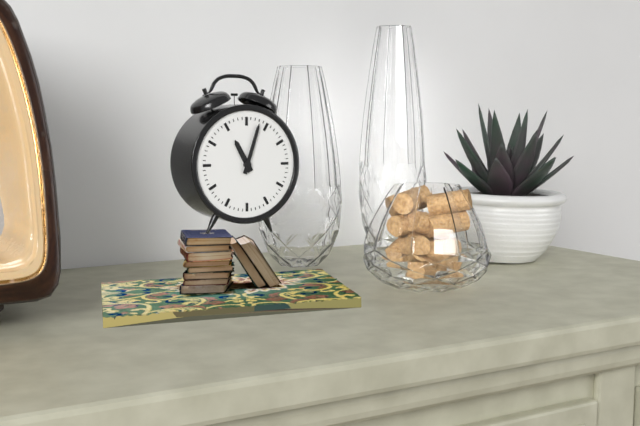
11:03
